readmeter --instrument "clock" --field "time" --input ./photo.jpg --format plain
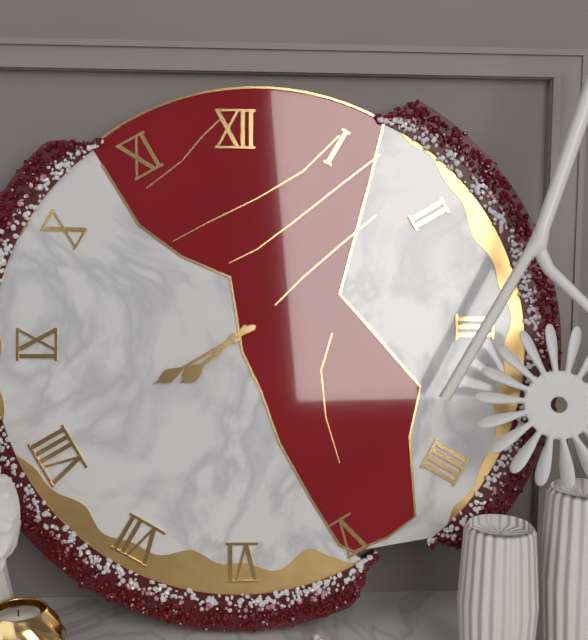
7:40
